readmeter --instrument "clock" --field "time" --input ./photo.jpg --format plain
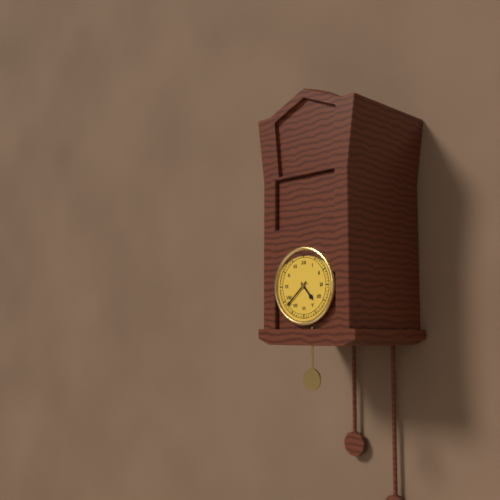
4:38
